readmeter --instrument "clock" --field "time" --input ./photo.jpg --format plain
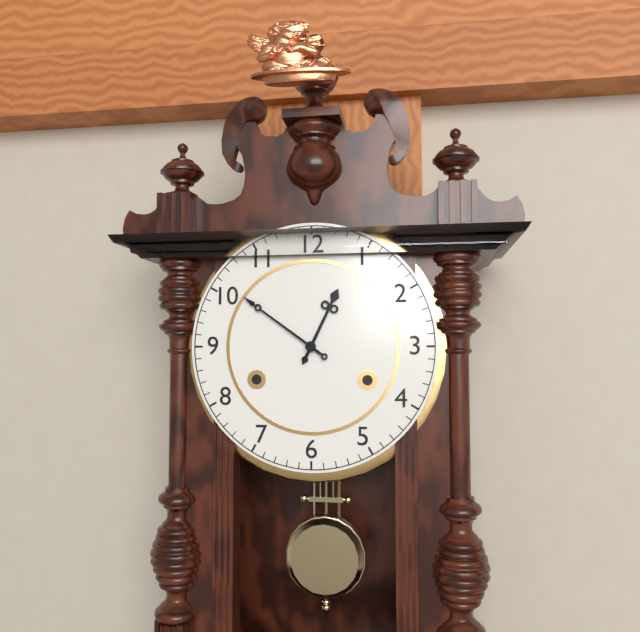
12:51
